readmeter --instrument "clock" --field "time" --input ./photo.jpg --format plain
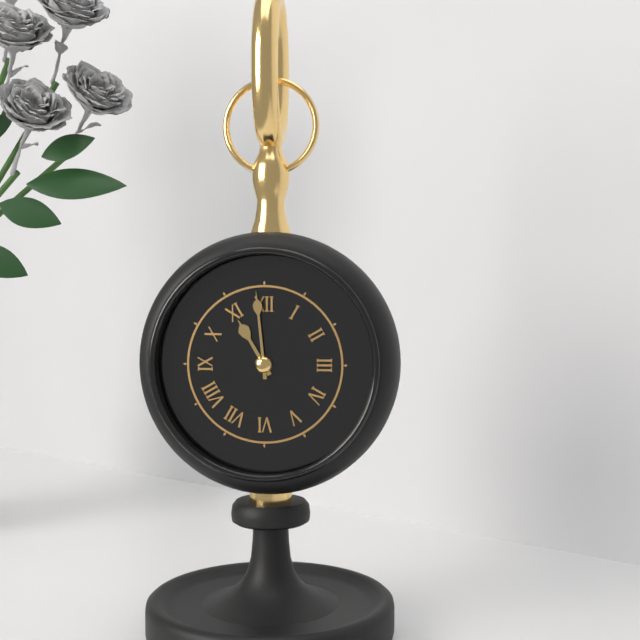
10:59
